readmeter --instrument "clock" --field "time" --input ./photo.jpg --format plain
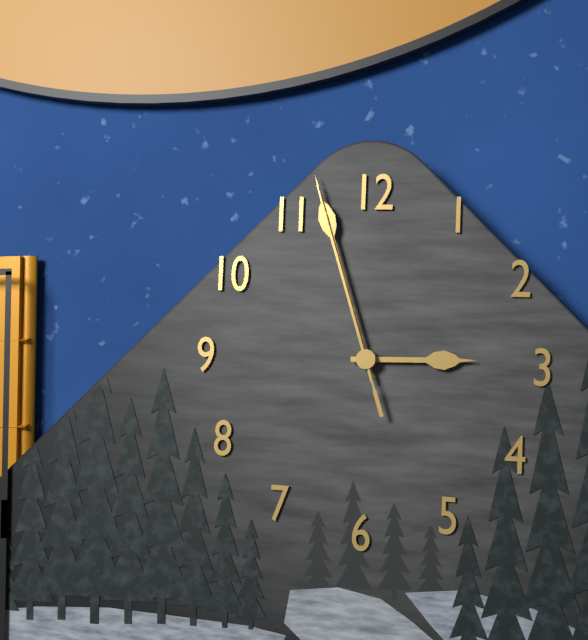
2:57:57
